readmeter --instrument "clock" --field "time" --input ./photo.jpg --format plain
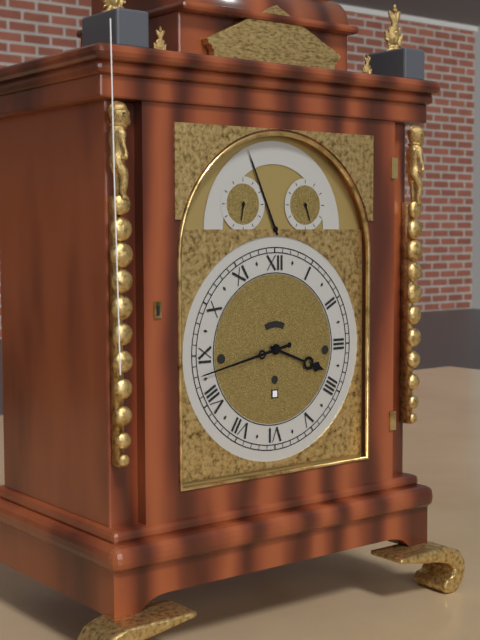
3:43
